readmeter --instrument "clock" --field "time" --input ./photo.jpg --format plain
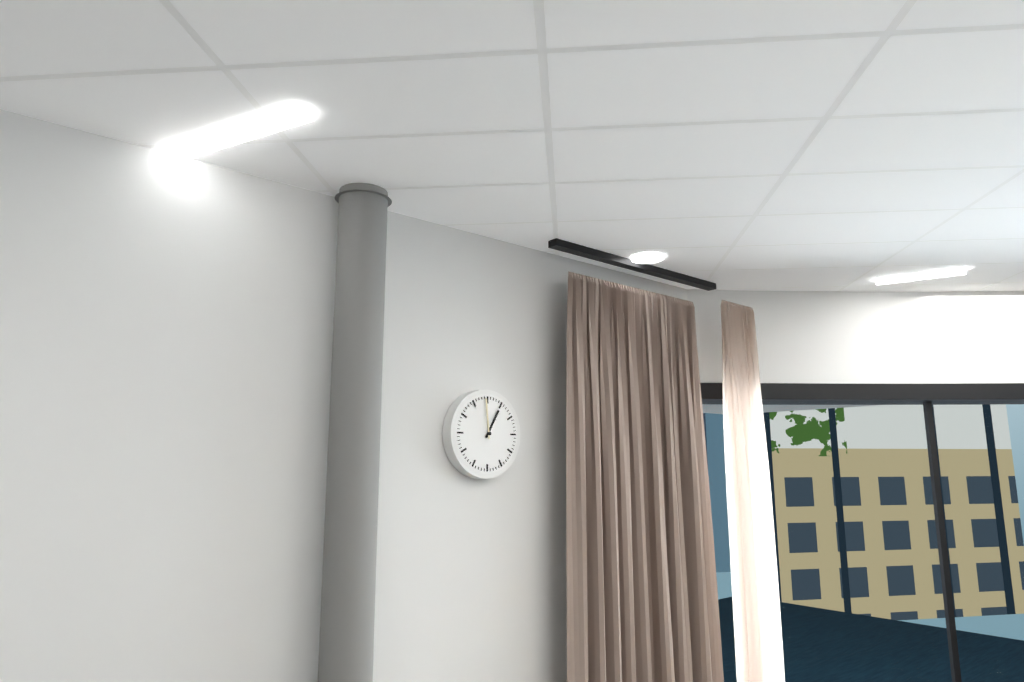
12:59
